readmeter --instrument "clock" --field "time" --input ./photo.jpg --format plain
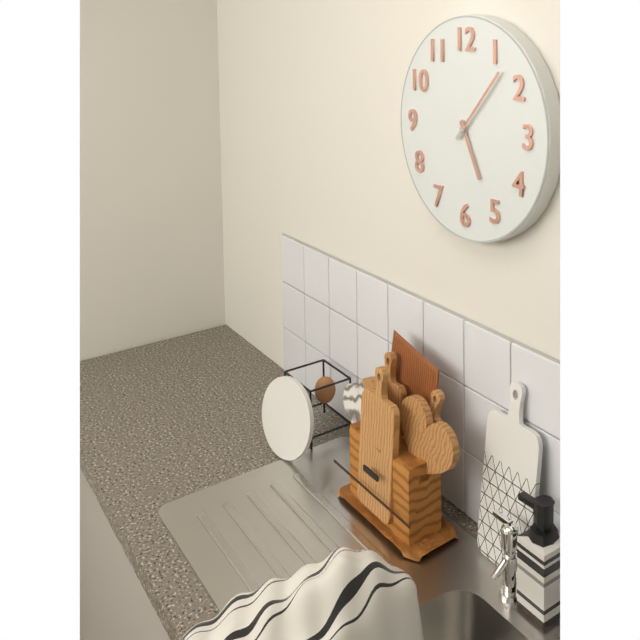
5:07
